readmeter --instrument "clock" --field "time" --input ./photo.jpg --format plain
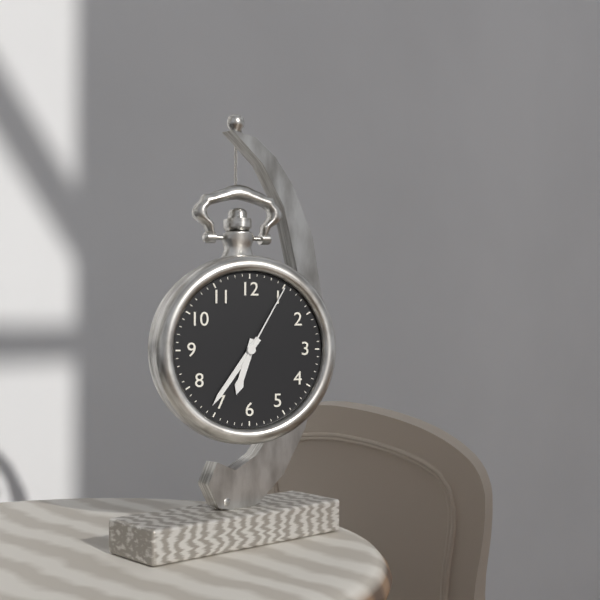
6:36:05
